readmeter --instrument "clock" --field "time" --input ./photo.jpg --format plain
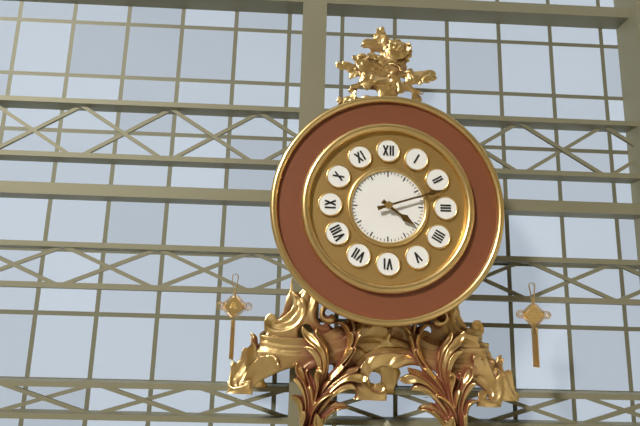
4:12
